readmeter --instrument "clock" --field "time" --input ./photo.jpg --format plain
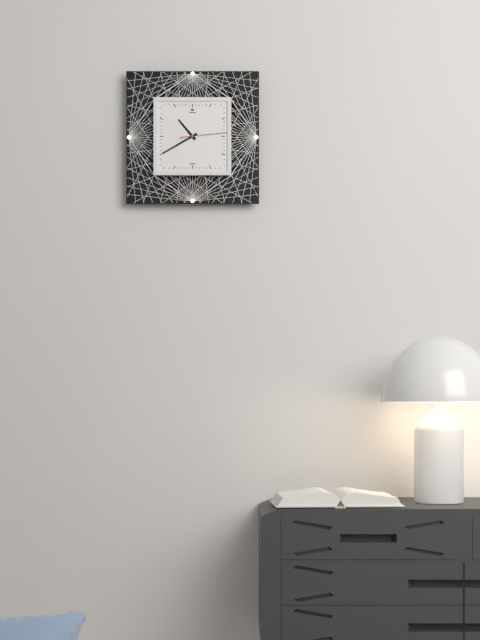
10:40
